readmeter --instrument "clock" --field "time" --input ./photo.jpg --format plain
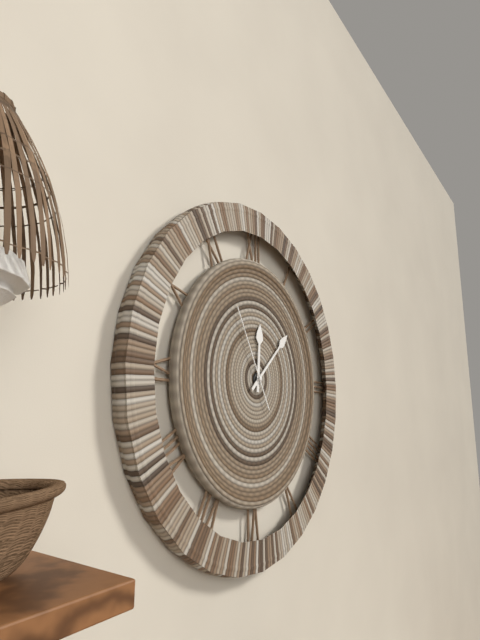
12:08:55
